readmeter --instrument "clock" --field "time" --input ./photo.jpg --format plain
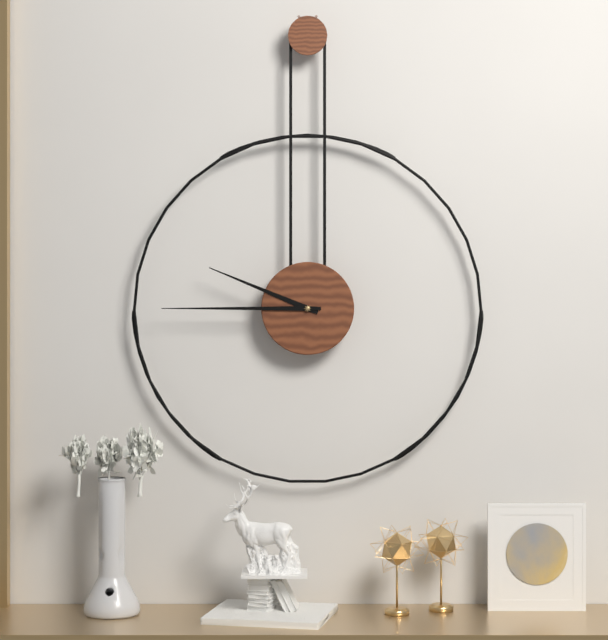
9:45
